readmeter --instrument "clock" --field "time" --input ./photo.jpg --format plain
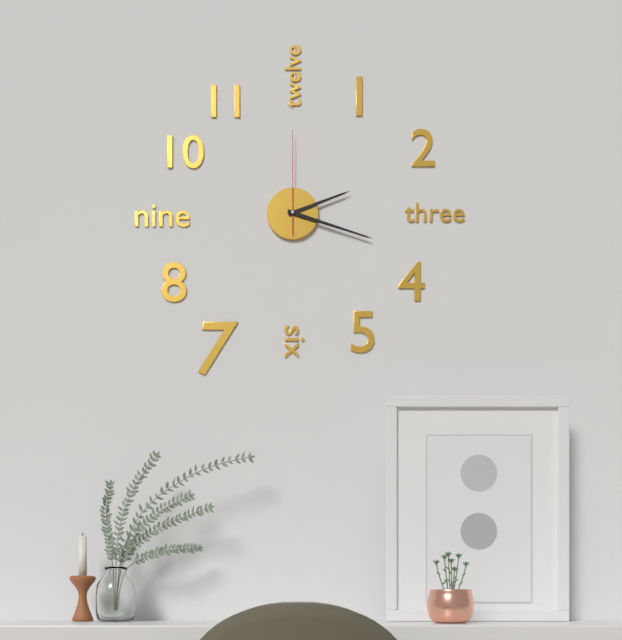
2:18:00
